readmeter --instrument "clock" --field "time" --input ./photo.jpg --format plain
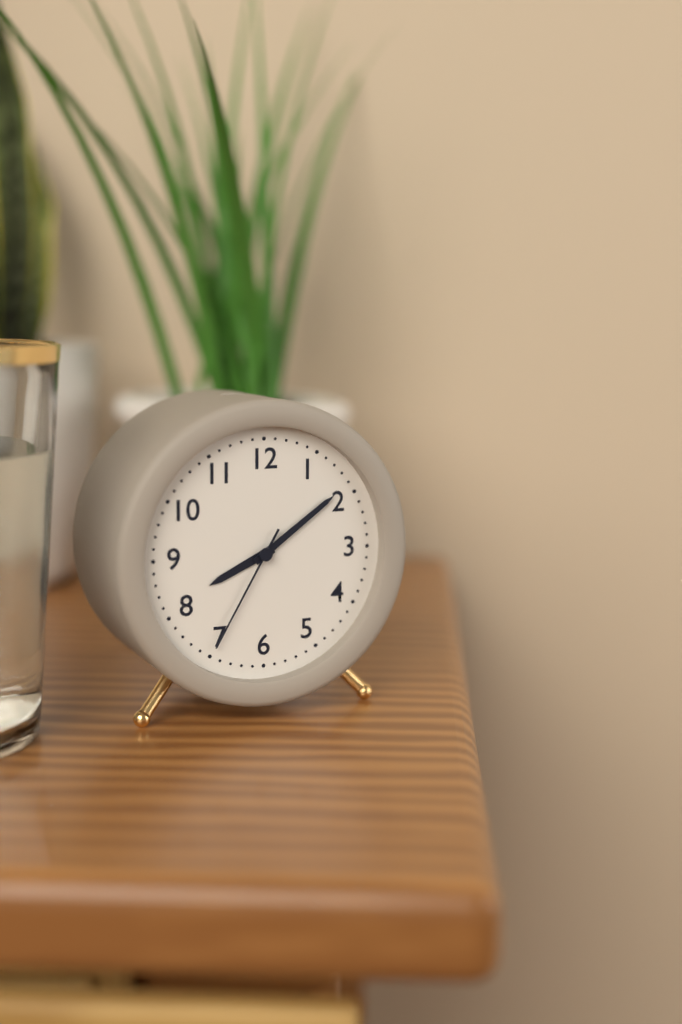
8:09:35
